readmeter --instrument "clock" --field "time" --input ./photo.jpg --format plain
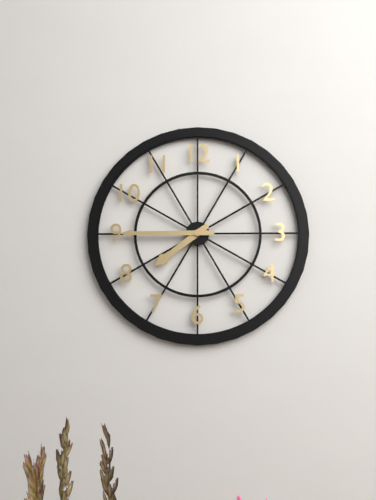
7:45
